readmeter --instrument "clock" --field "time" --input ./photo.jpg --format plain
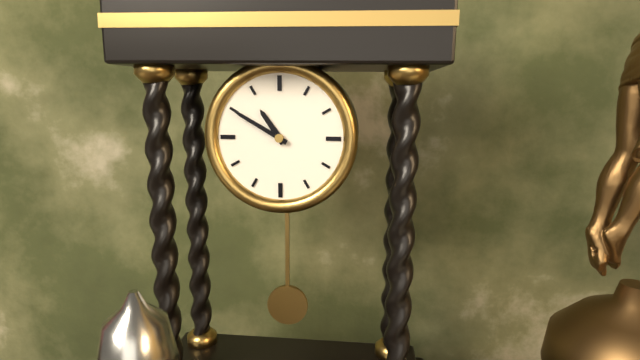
10:50
